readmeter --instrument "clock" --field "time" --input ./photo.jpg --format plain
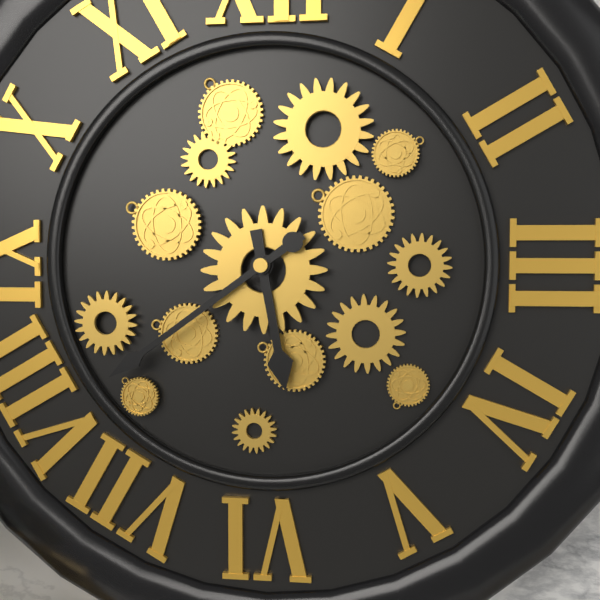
5:39
